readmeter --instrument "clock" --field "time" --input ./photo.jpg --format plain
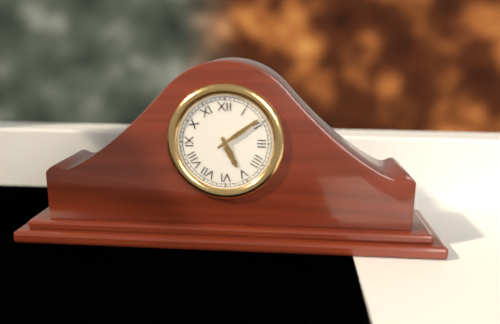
5:09
